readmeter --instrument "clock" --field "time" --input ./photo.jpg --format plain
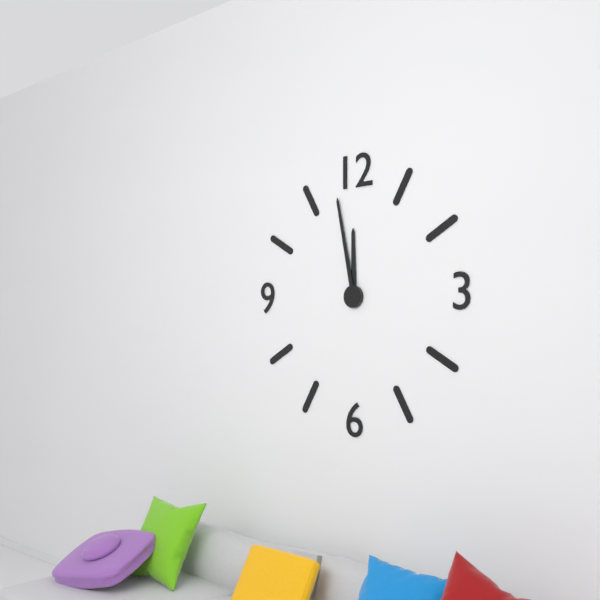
11:58
